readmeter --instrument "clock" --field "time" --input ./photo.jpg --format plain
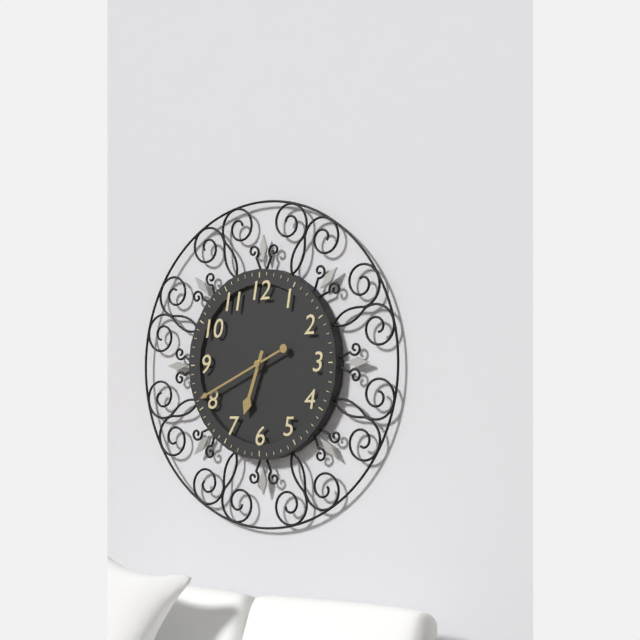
6:41
